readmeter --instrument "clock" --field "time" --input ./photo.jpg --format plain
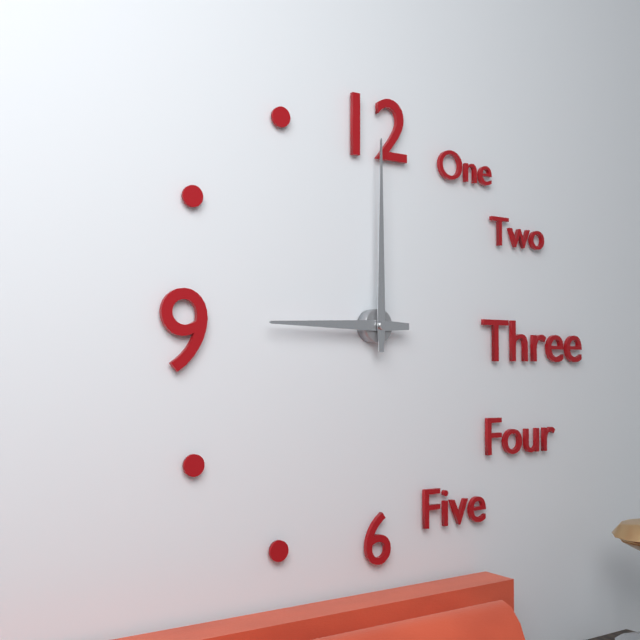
9:00
